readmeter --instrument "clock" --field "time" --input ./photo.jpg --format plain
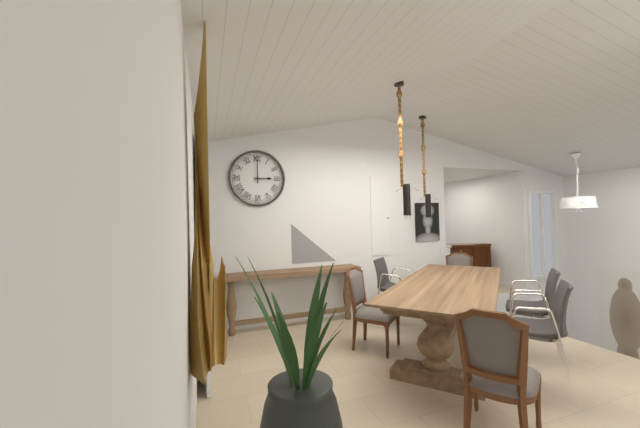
3:00
